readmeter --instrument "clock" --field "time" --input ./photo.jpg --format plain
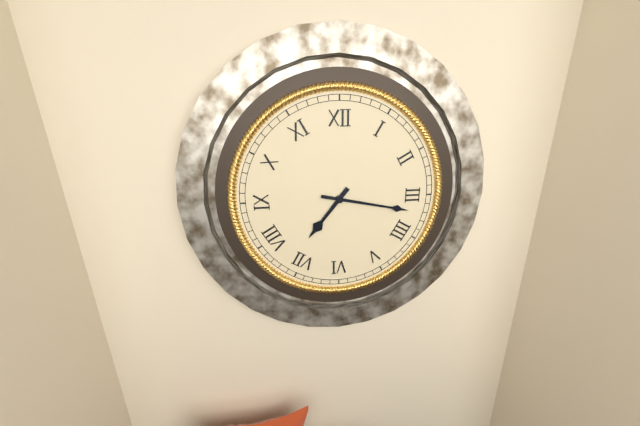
7:17
